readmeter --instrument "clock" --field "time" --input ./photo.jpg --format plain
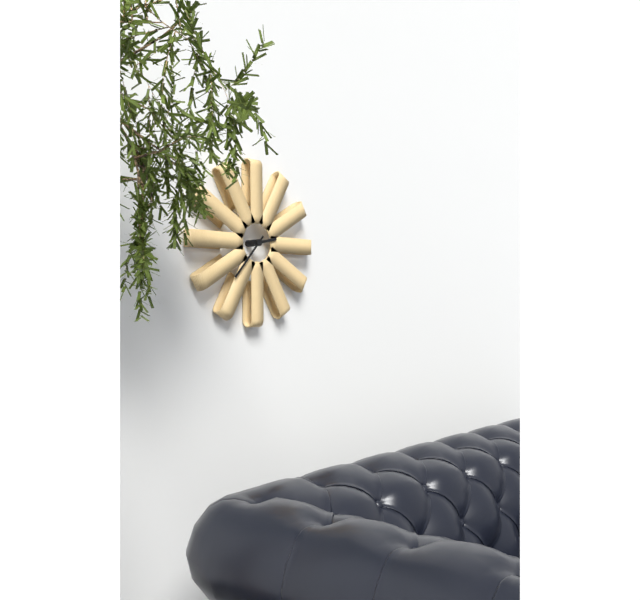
2:37
